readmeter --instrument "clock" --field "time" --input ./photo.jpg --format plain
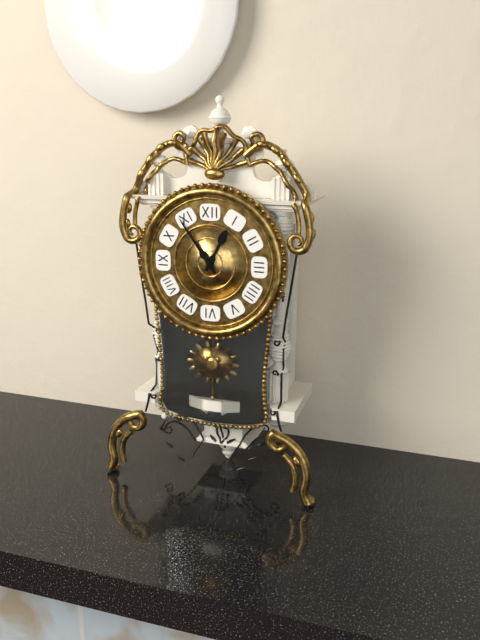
12:54
